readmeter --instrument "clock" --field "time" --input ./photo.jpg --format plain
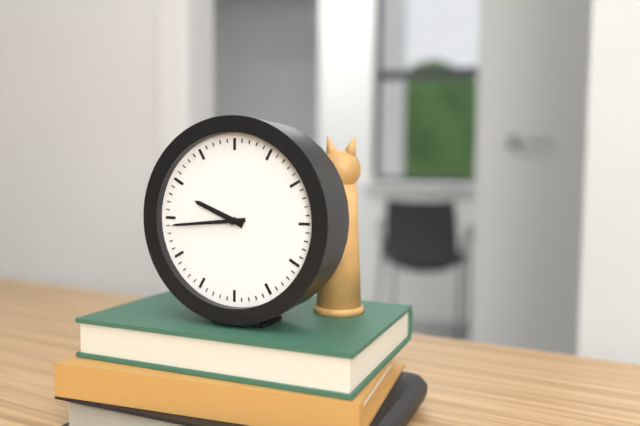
9:44
